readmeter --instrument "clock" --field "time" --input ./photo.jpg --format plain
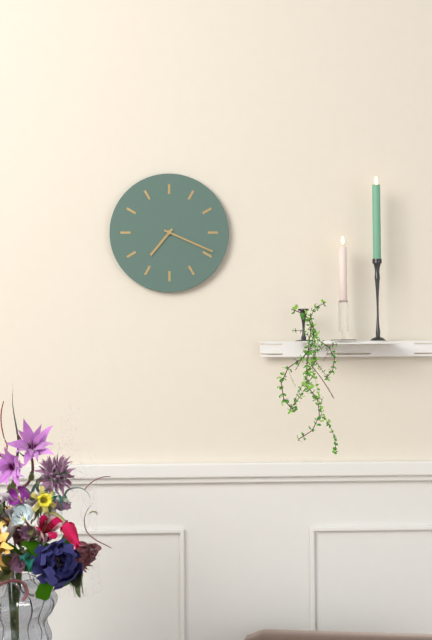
7:19
